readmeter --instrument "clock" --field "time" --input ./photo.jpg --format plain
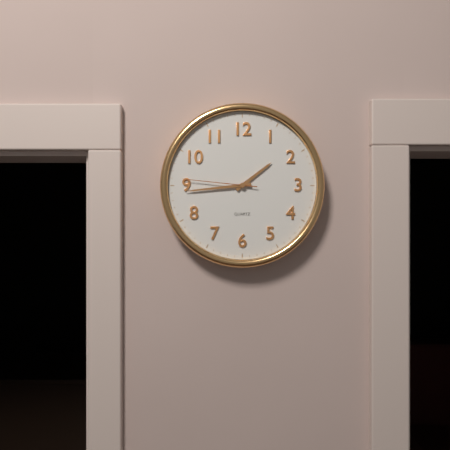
1:44:46
